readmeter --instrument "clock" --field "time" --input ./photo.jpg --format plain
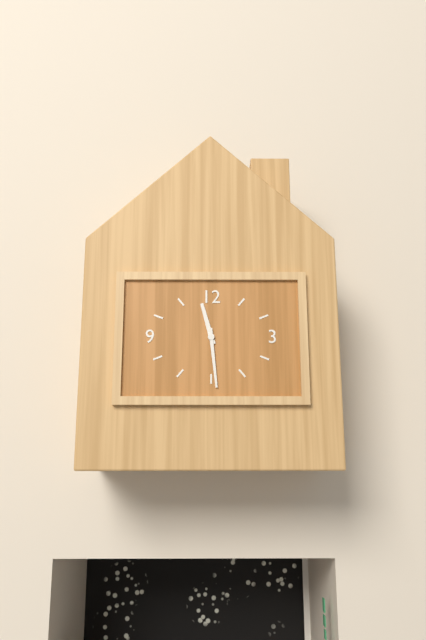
11:29
